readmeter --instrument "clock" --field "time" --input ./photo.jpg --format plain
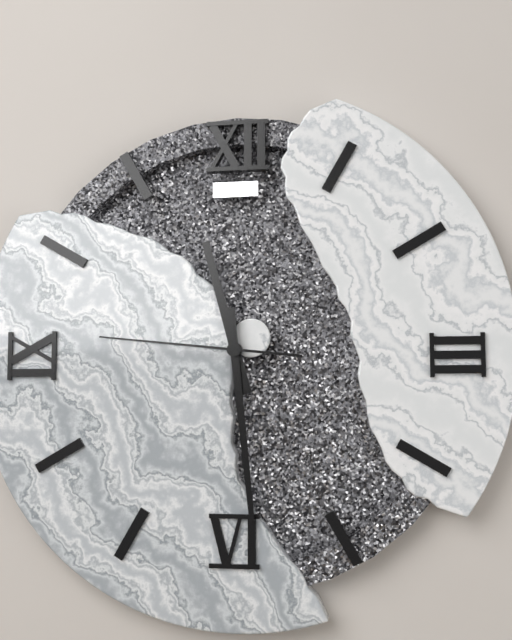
11:29:46
